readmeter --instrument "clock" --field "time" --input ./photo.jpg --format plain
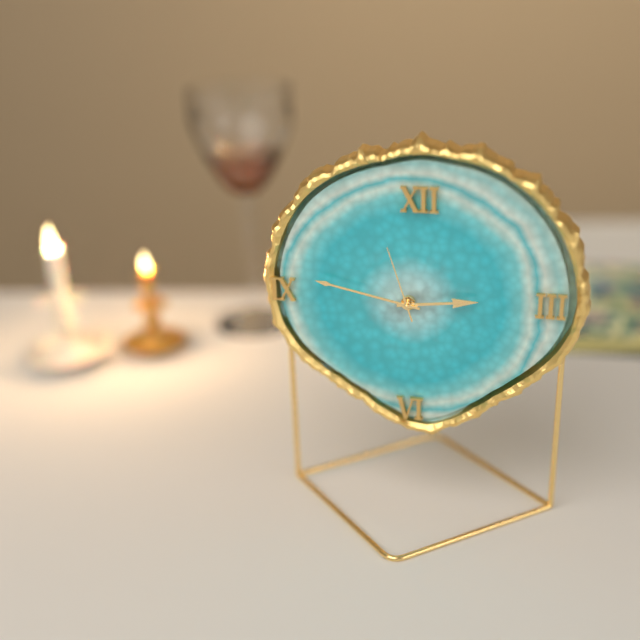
2:47:57
